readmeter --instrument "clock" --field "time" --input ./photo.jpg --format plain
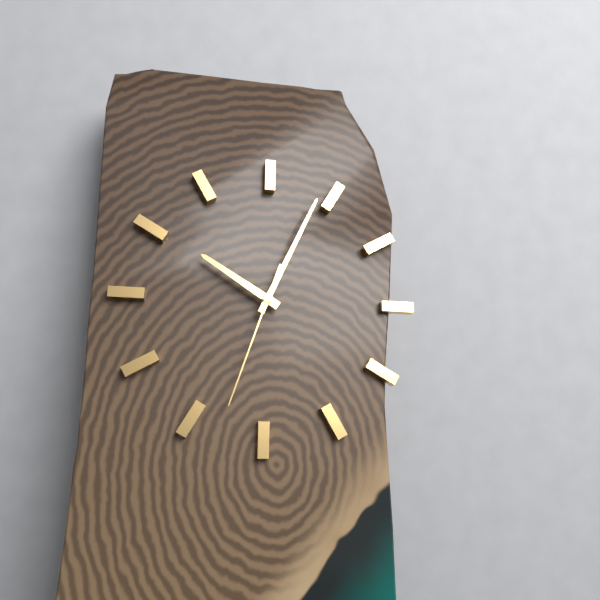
10:04:33
